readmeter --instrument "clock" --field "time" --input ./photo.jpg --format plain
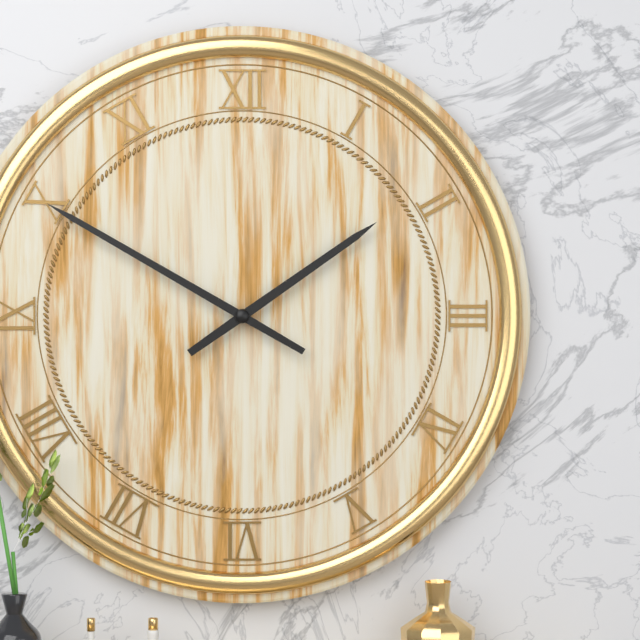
1:50
